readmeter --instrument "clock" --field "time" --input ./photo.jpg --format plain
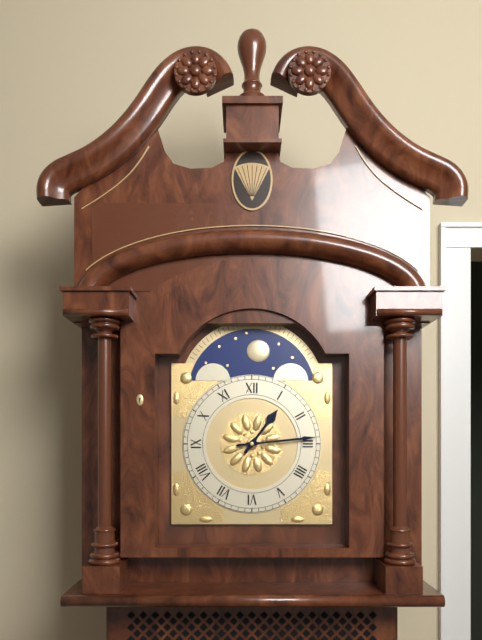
1:14
